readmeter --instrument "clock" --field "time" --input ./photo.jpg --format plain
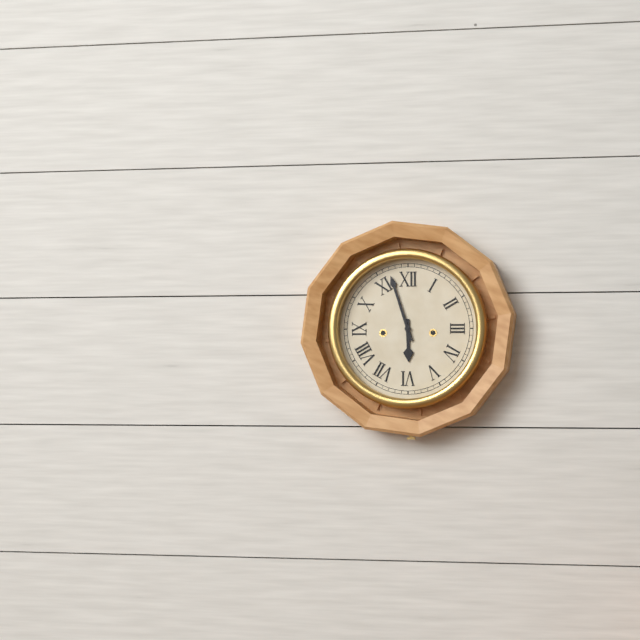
5:57
